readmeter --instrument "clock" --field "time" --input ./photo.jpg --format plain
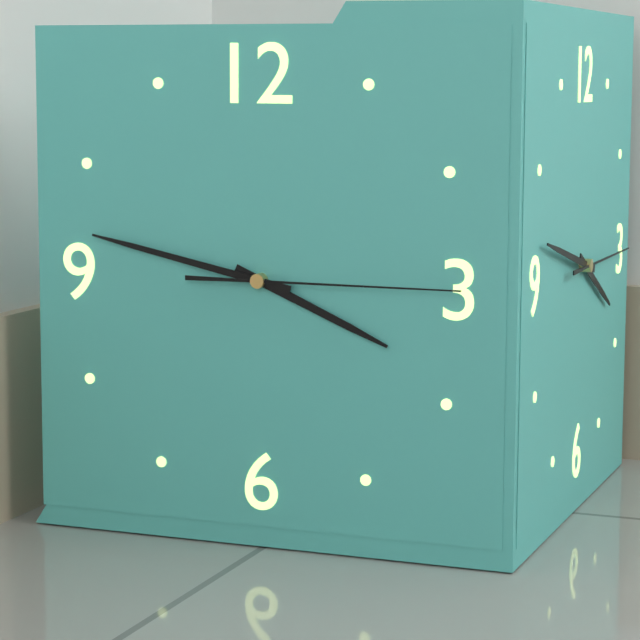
3:47:15
